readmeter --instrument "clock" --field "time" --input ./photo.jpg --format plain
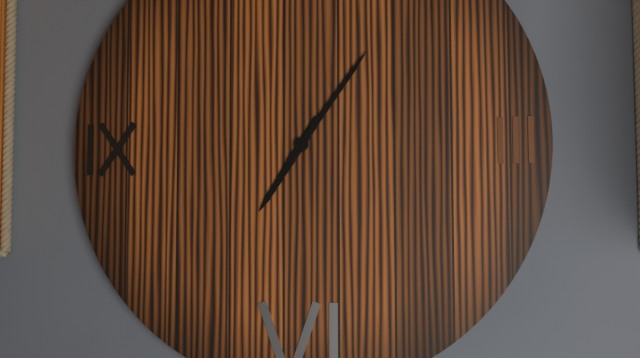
7:06
